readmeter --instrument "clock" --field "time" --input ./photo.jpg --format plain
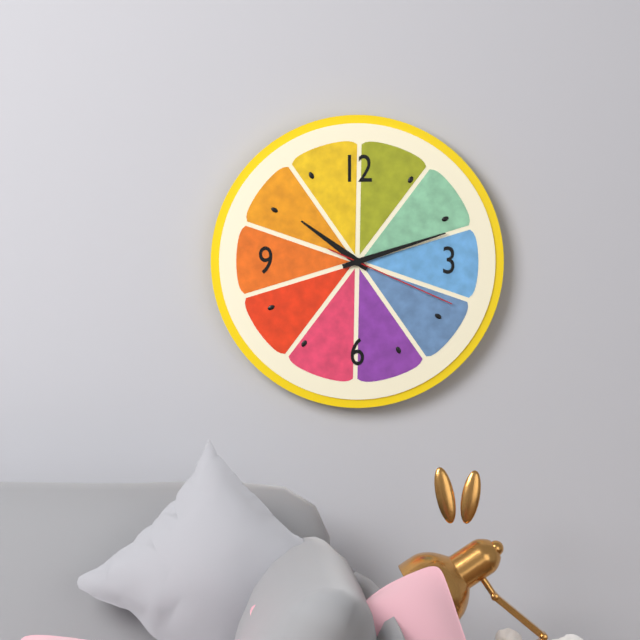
10:12:19
